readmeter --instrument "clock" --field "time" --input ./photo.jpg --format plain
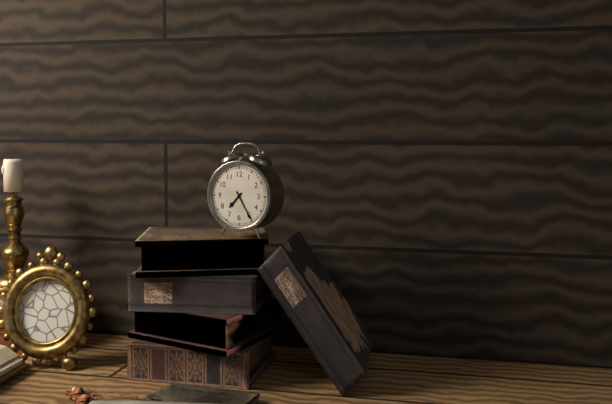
7:25
